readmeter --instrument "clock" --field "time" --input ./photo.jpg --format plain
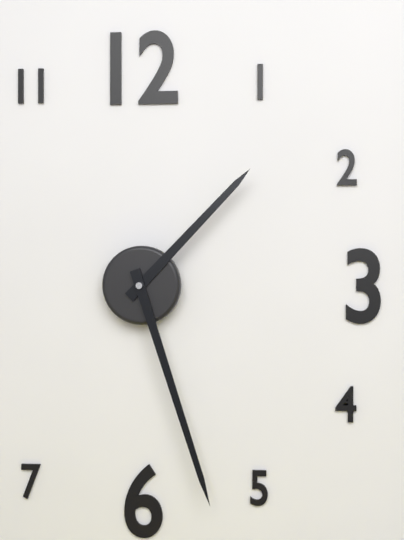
1:27
